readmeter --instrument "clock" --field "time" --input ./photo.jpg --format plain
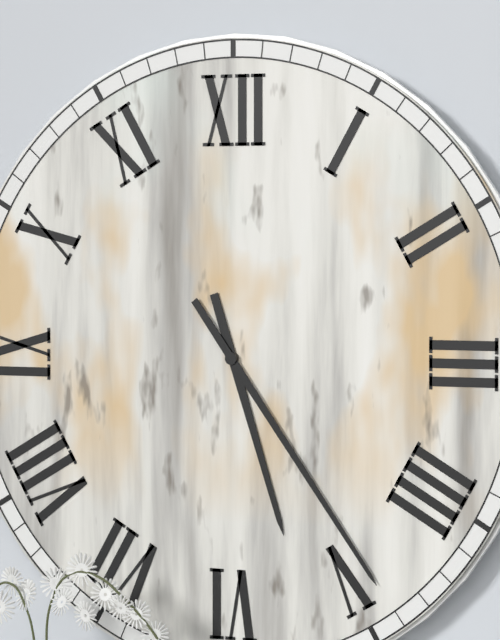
5:24
